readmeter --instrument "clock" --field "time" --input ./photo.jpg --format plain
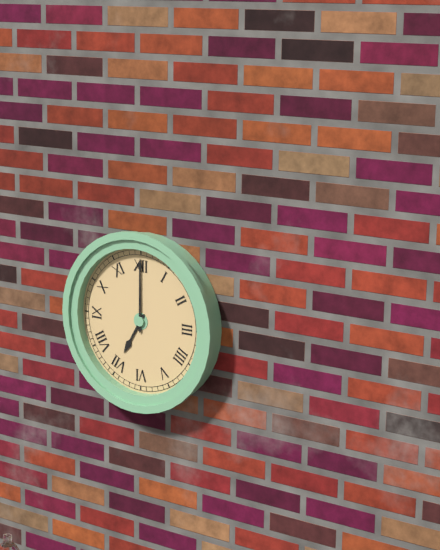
7:00
